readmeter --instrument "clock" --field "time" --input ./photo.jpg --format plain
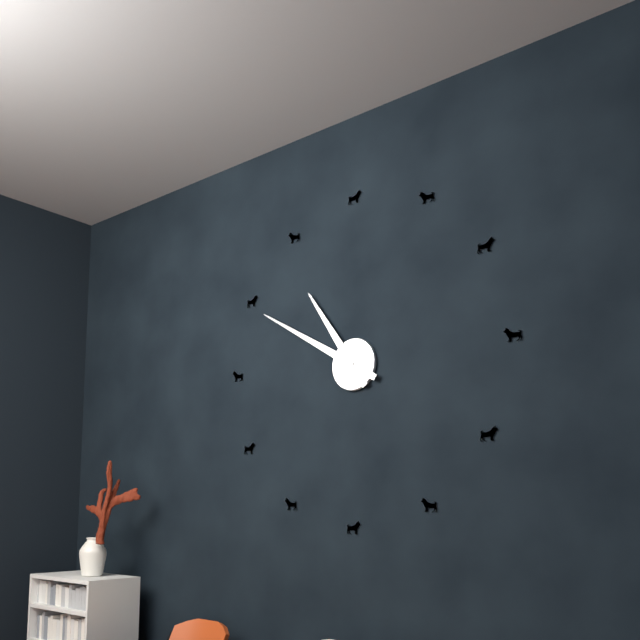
10:50
